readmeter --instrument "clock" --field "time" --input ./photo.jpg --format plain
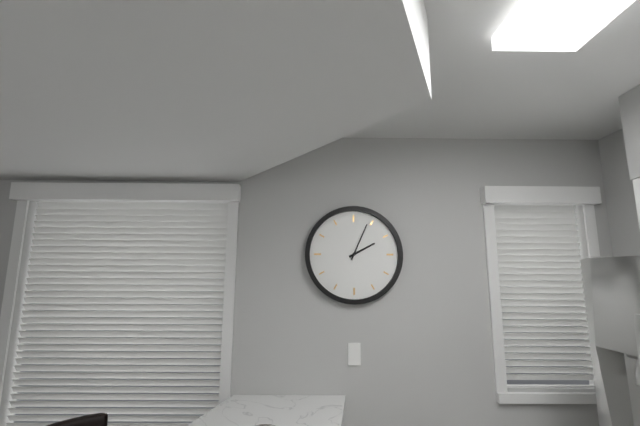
2:04
